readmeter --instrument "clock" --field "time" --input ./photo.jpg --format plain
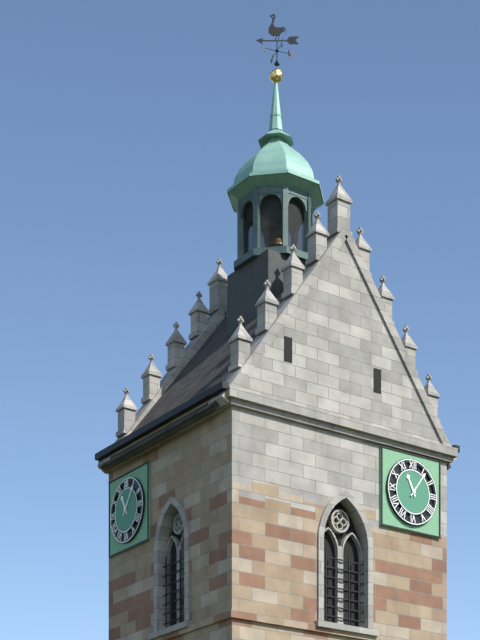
11:06
